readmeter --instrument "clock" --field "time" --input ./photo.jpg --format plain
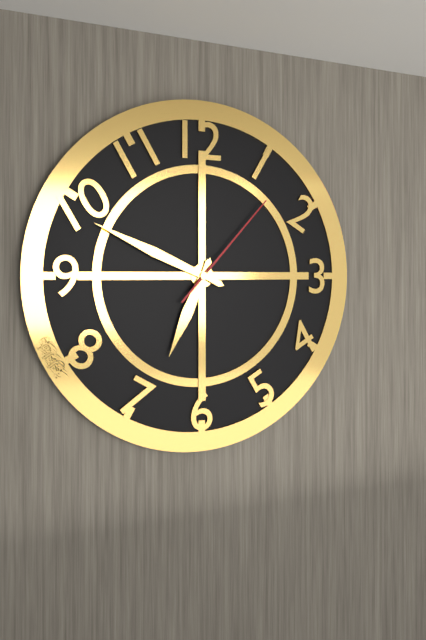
6:49:07
